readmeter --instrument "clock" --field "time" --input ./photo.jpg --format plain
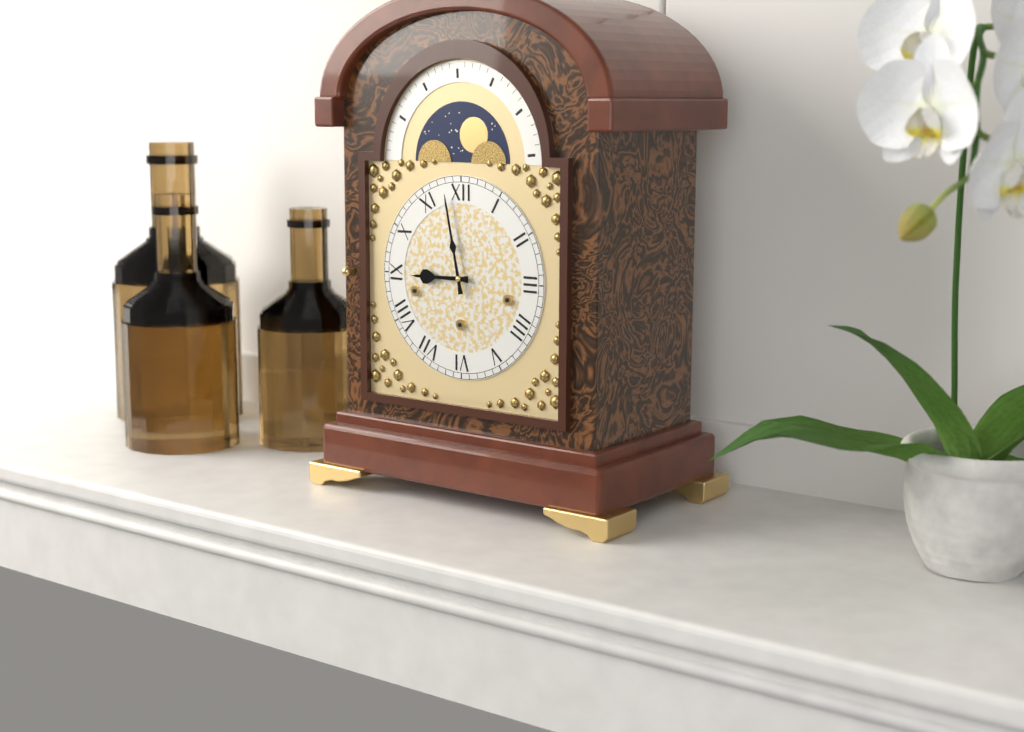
8:58
